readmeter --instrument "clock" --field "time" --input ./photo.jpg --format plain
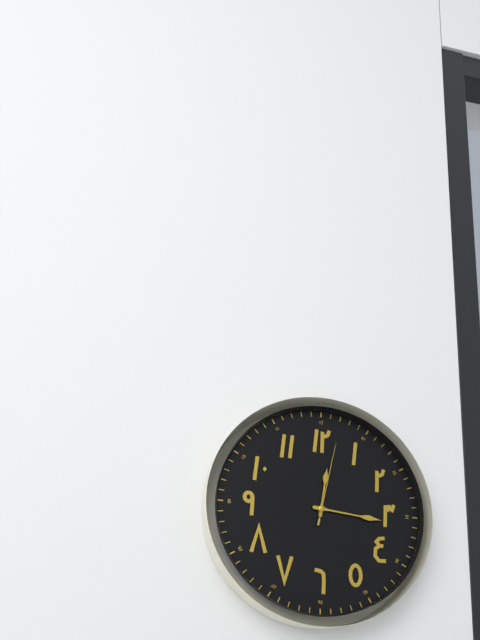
12:16:02
